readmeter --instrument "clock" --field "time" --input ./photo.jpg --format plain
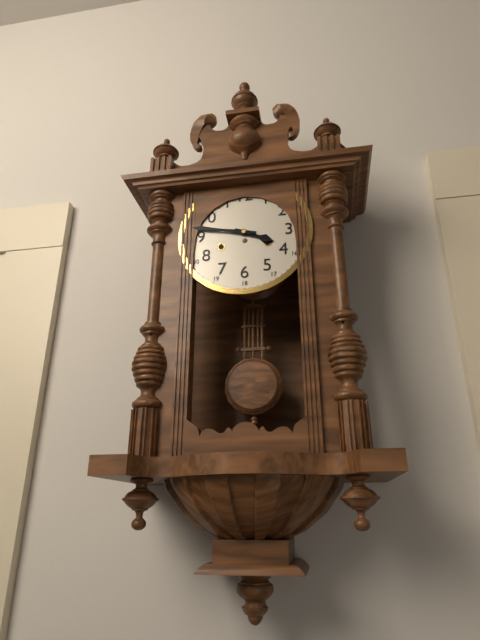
3:47
